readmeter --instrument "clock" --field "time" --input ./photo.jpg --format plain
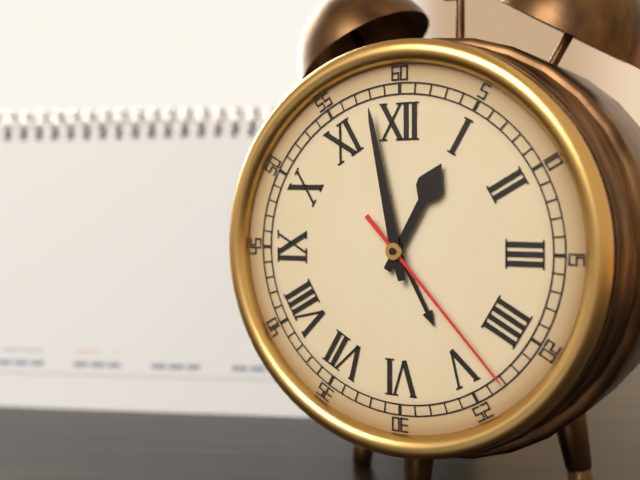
12:58:23
